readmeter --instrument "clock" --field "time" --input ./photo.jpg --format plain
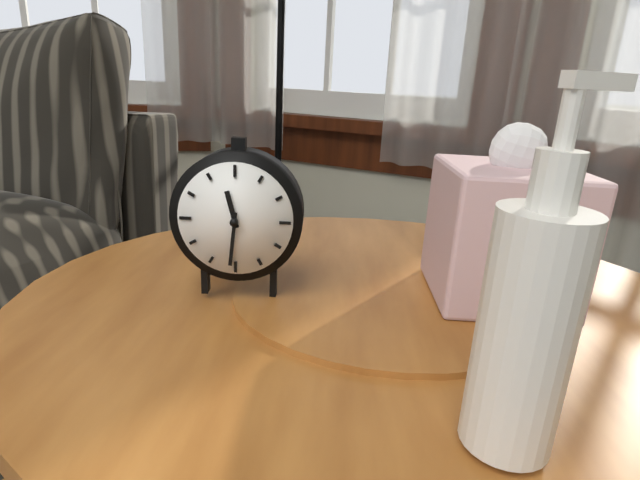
11:31
